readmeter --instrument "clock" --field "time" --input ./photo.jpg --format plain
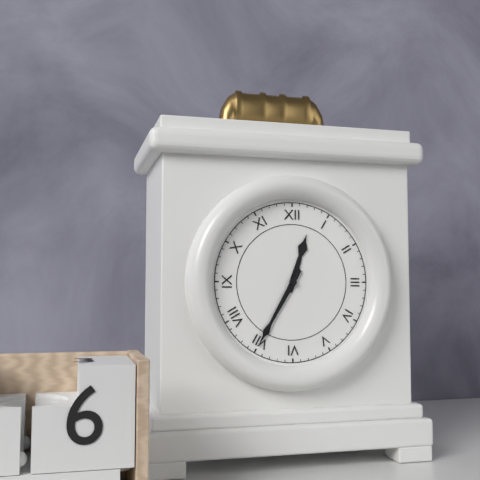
12:35
